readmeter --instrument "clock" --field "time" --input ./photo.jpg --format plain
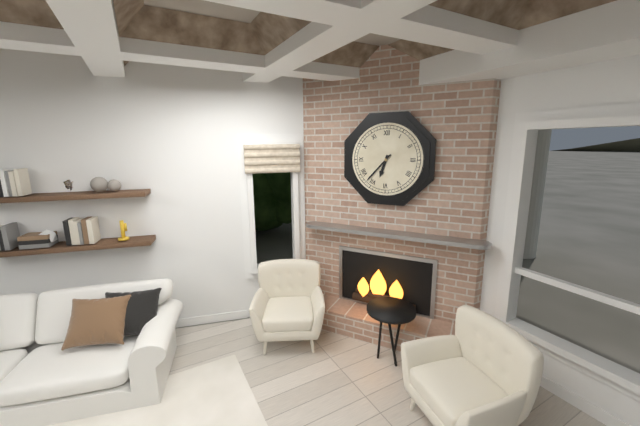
6:37
